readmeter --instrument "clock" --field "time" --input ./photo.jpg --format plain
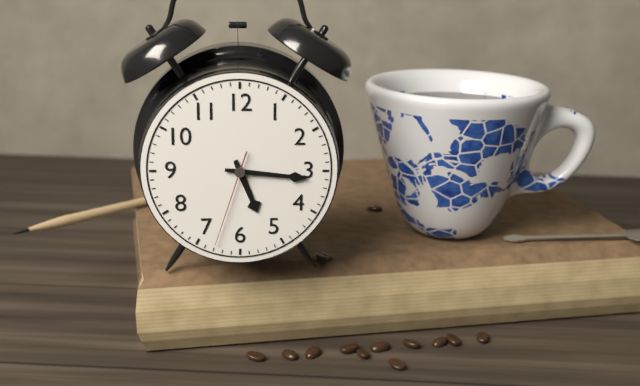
5:16:33
